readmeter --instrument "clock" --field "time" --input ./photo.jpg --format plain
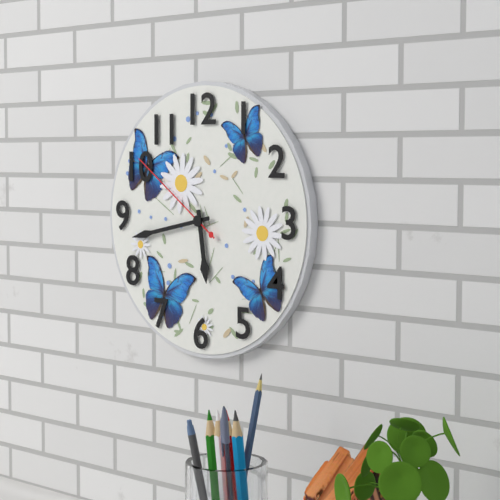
5:43:51
